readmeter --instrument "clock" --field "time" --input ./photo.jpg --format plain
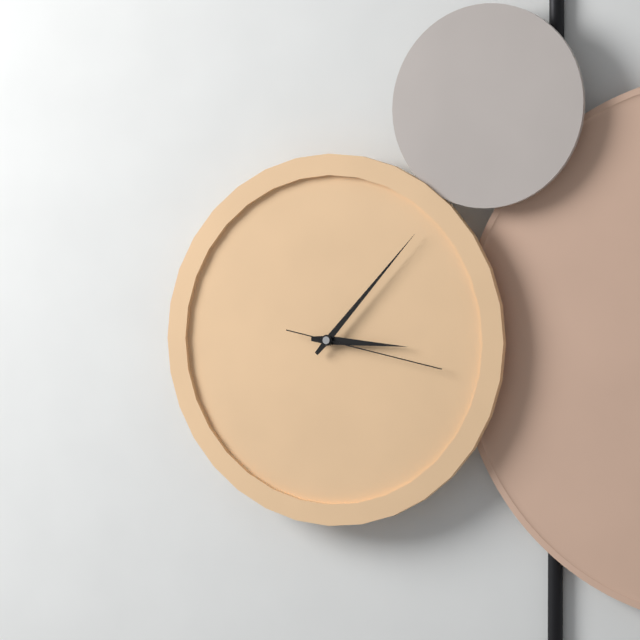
3:07:17
